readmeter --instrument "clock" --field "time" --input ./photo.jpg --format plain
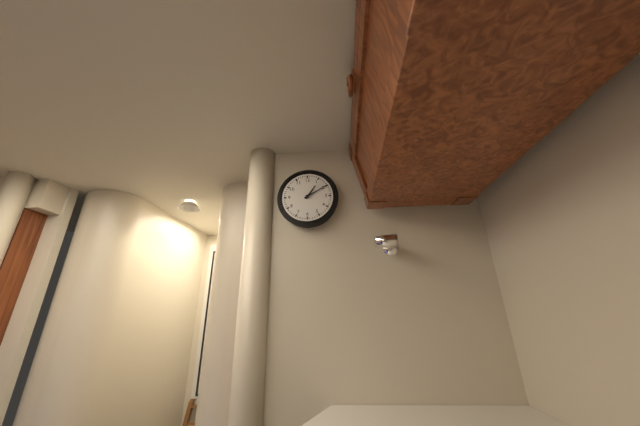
1:10
